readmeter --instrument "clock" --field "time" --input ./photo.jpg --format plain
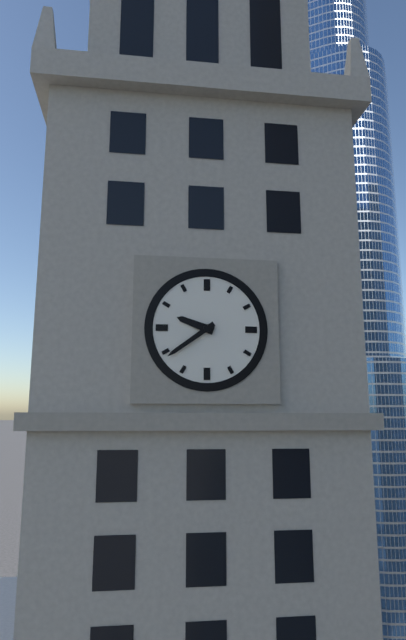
9:39
